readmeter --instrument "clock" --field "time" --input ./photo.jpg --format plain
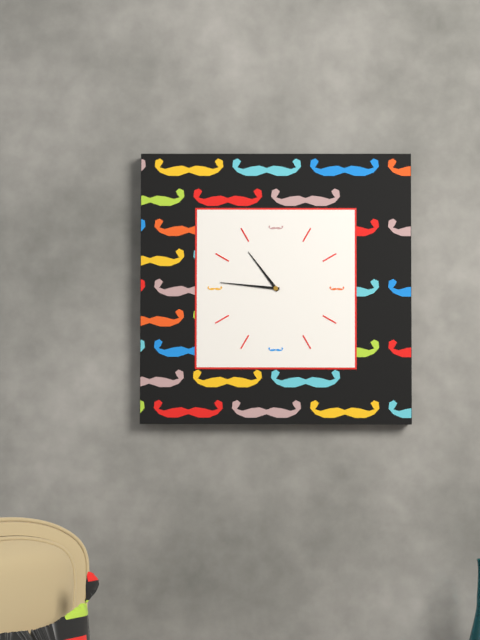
10:46
